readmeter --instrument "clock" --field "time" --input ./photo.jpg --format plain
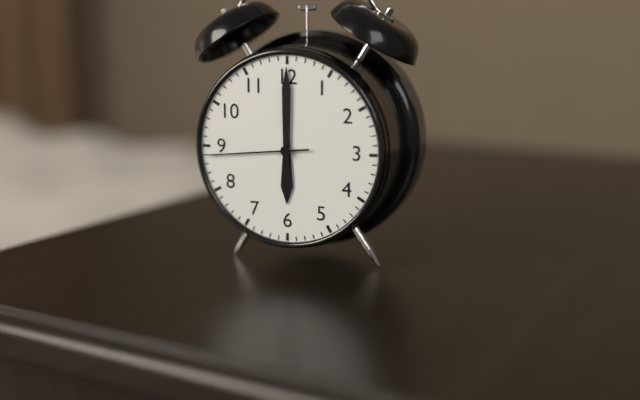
6:00:44
